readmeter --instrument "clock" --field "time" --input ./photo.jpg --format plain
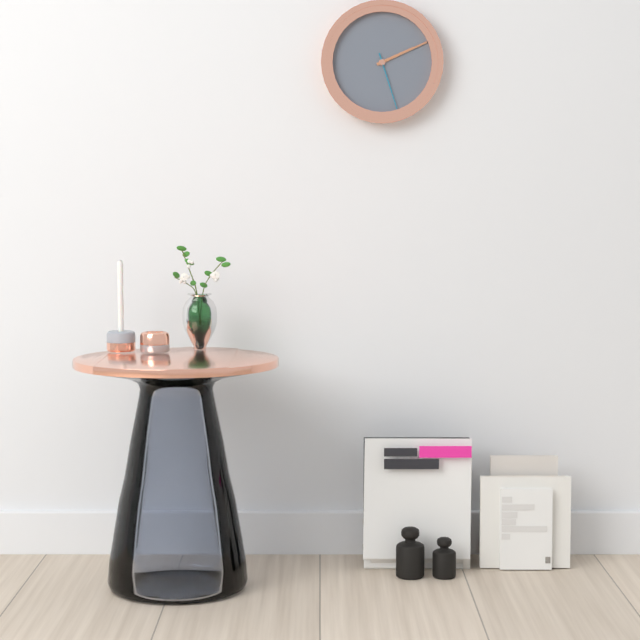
2:11:27
